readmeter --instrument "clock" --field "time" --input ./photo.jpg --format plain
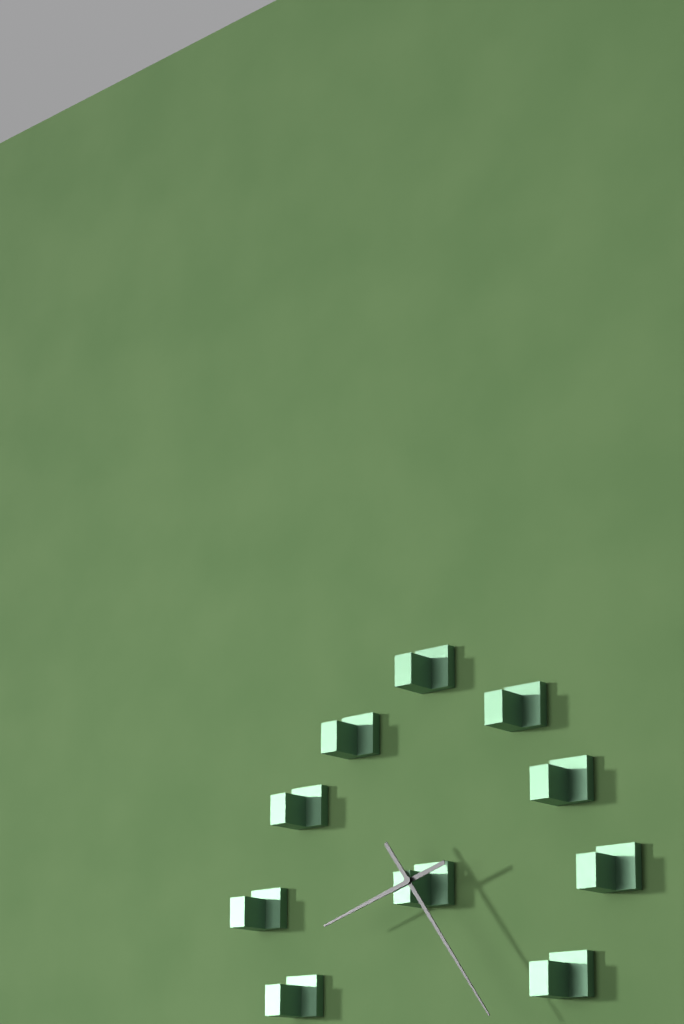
8:24
